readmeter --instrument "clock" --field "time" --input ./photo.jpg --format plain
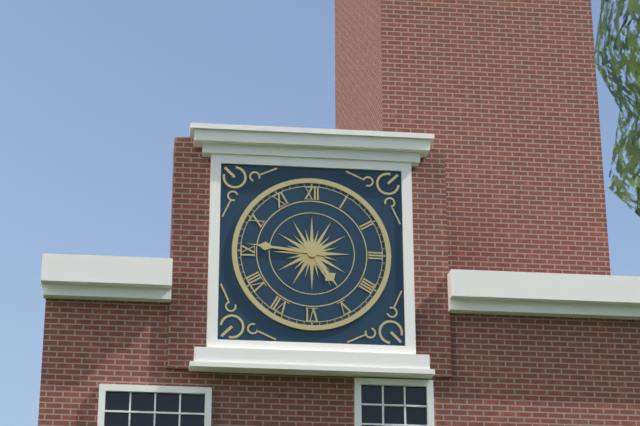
4:46
